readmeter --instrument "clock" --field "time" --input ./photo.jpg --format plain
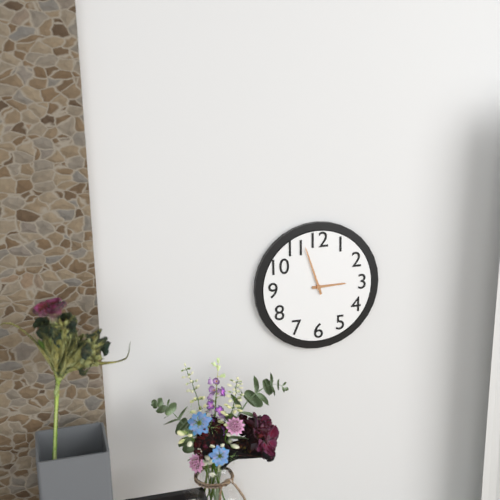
2:57
